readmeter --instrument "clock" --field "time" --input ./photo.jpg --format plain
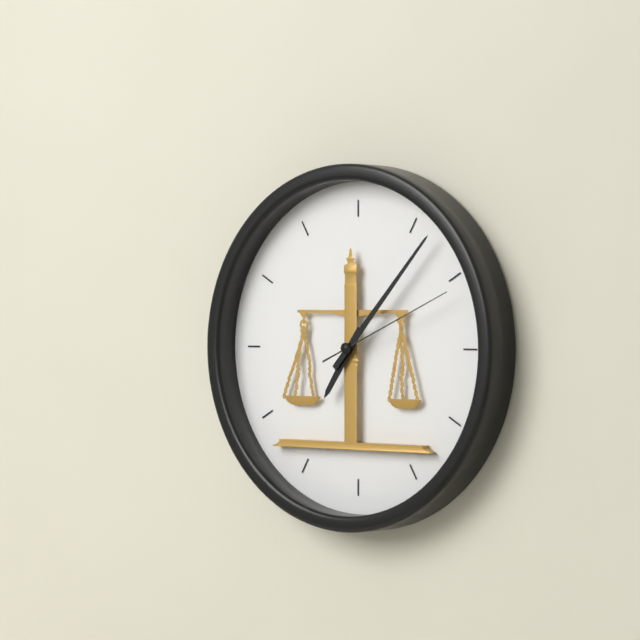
7:07:11
